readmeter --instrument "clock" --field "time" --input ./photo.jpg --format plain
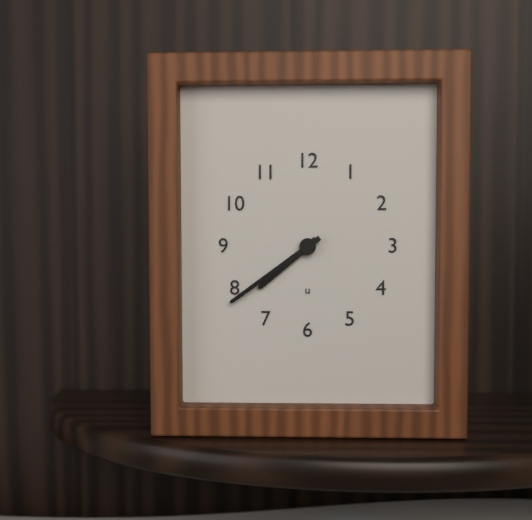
7:39
